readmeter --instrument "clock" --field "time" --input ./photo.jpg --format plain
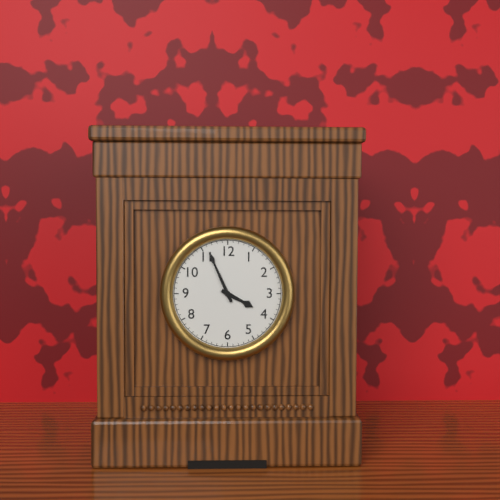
3:56
